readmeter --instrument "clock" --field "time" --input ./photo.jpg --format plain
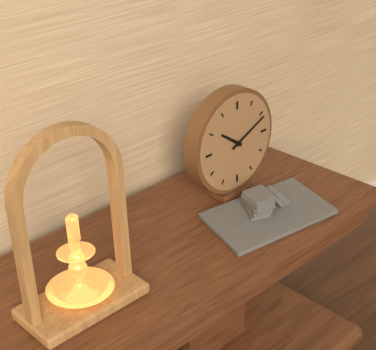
10:11
